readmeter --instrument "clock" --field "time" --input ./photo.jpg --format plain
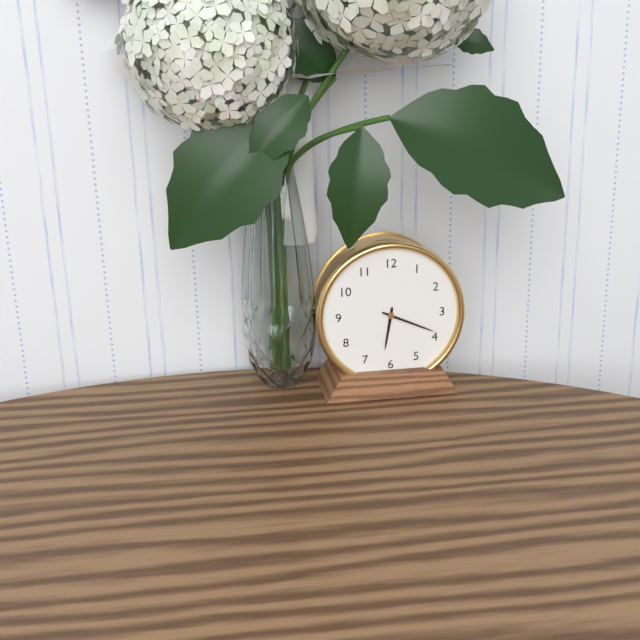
6:19
